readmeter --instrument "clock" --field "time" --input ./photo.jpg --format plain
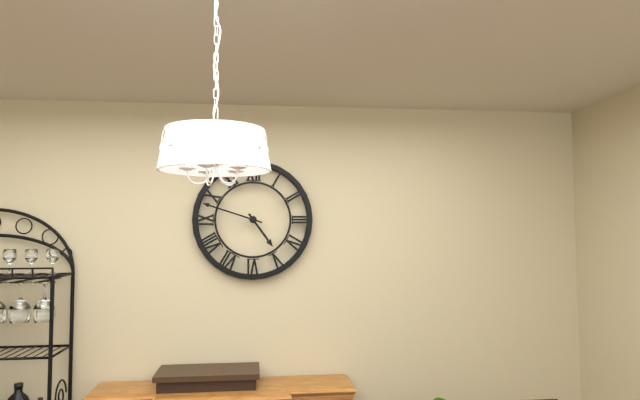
4:48
